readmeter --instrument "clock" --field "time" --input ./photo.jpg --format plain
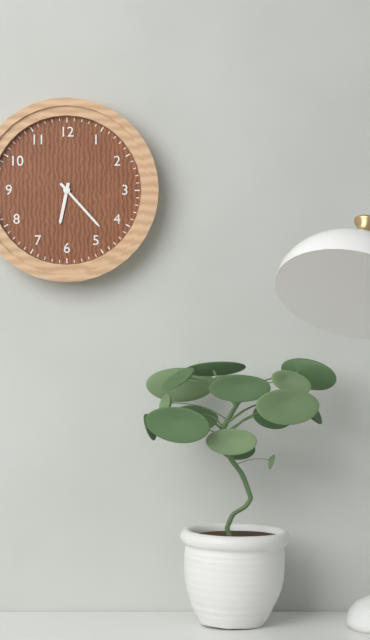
6:23
